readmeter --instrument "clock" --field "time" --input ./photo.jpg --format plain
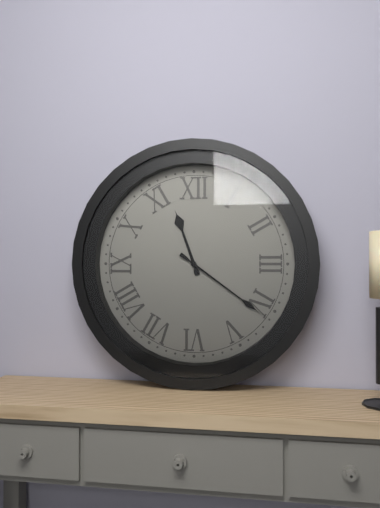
11:21
